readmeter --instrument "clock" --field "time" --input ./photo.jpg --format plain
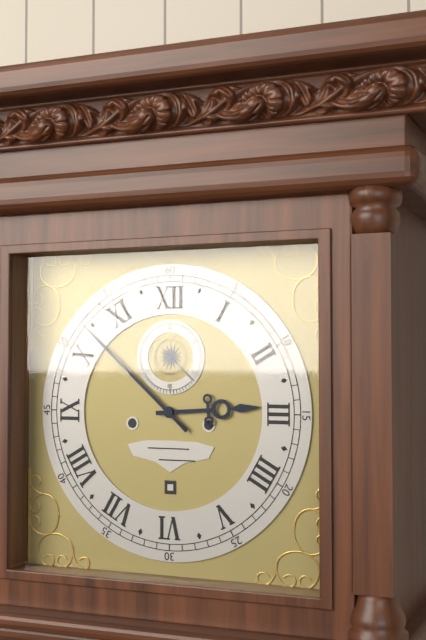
2:52
